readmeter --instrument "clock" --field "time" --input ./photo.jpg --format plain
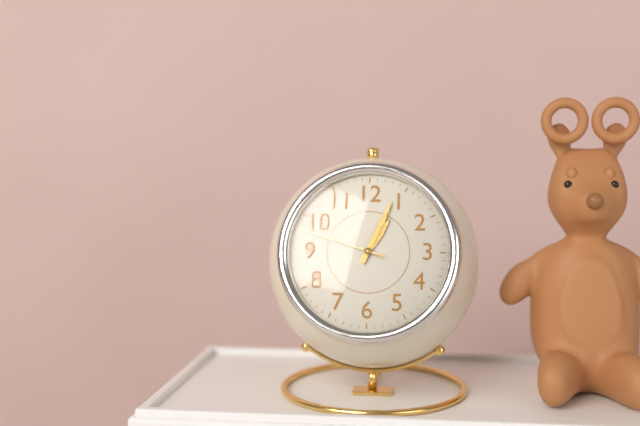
1:04:48
